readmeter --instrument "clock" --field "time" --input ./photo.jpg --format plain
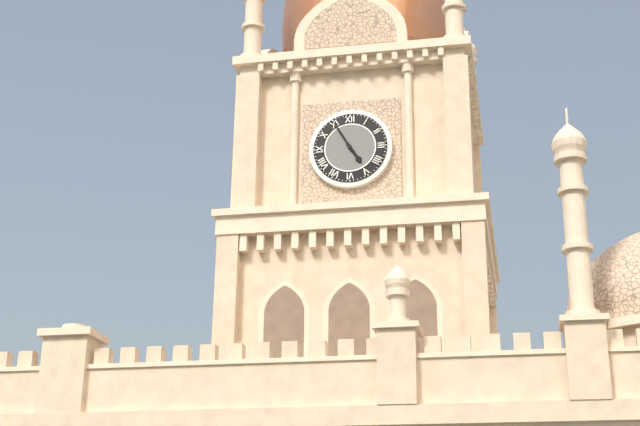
4:55
